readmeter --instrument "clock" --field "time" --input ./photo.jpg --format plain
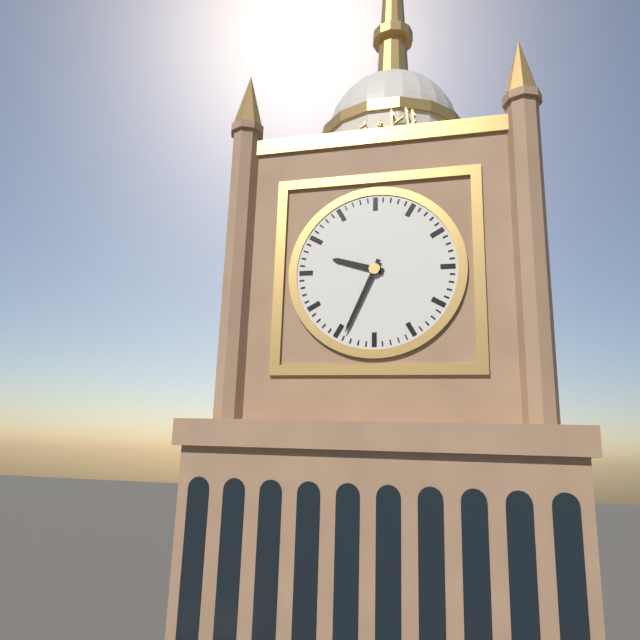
9:34
